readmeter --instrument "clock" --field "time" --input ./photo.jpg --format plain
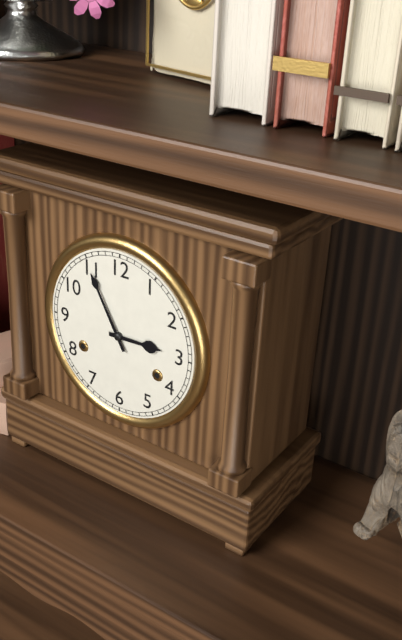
2:55
